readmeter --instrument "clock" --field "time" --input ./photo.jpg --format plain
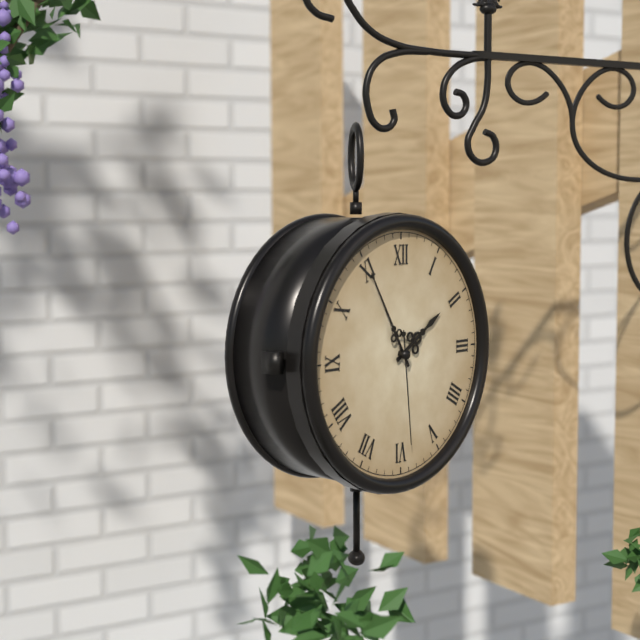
1:55:29
